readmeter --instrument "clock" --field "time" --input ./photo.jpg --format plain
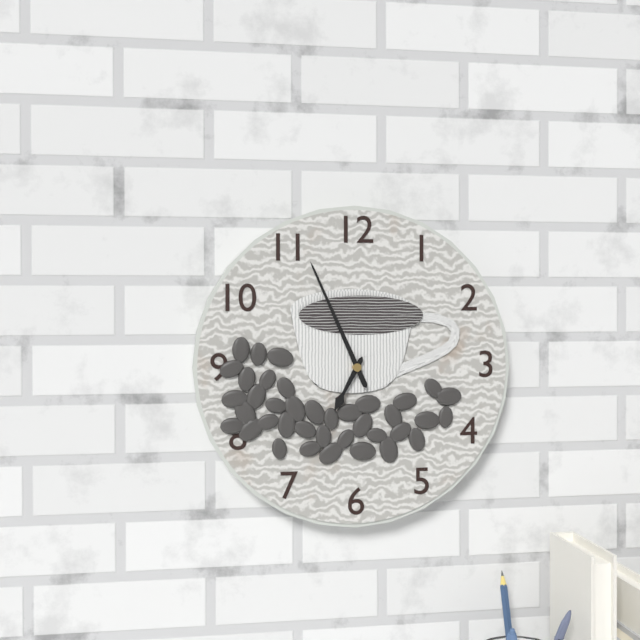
6:56
